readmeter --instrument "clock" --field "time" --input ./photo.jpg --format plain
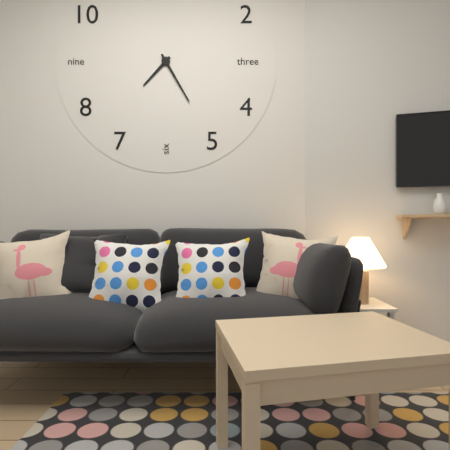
7:25
